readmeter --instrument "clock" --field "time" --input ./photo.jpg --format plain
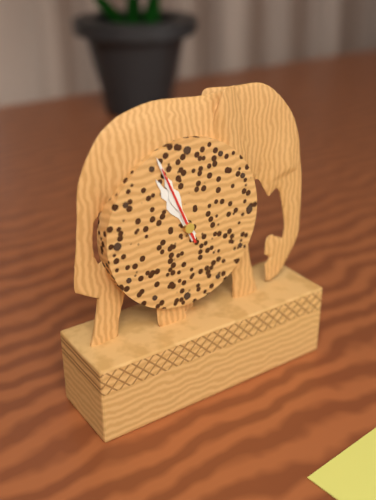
10:56:56
